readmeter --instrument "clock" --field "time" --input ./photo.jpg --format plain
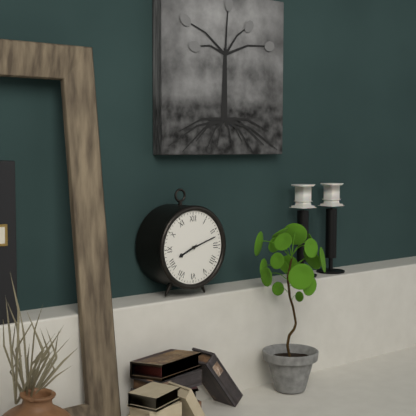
8:12
